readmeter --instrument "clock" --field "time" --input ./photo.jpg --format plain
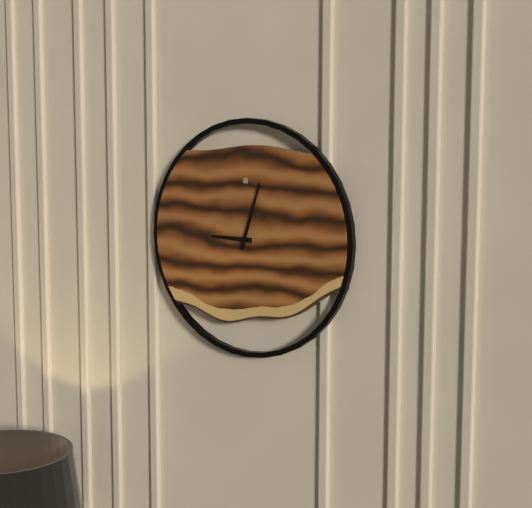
9:03
